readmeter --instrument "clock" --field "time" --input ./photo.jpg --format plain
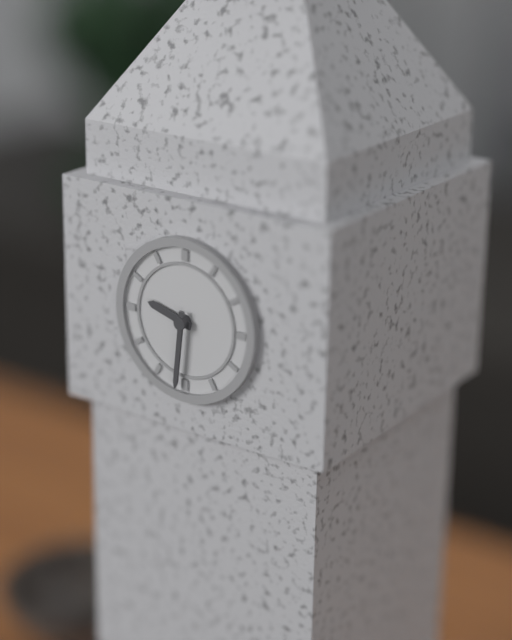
9:31
